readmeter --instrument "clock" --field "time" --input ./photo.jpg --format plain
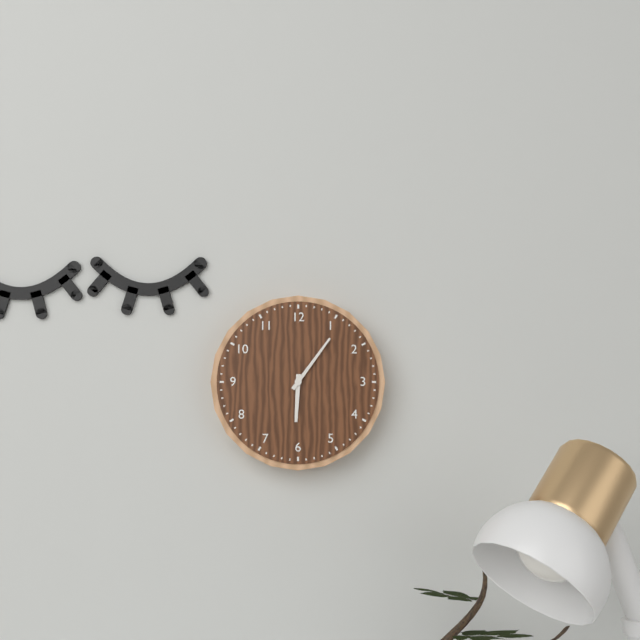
6:06
